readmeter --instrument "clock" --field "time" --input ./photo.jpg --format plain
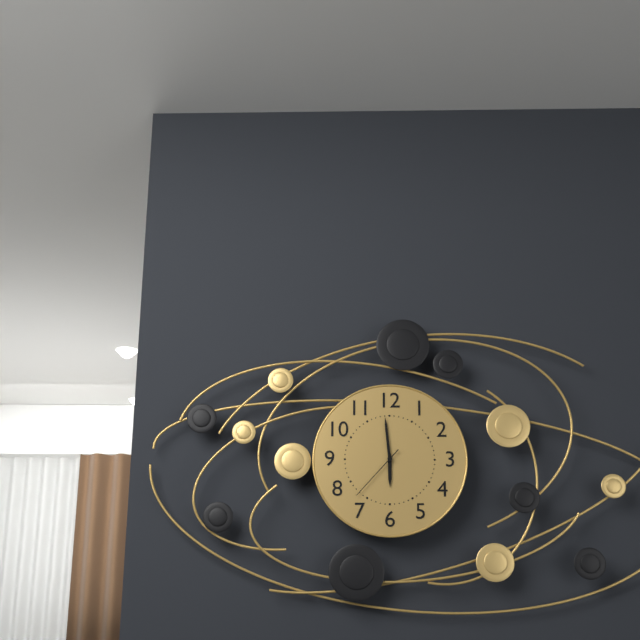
5:59:37
